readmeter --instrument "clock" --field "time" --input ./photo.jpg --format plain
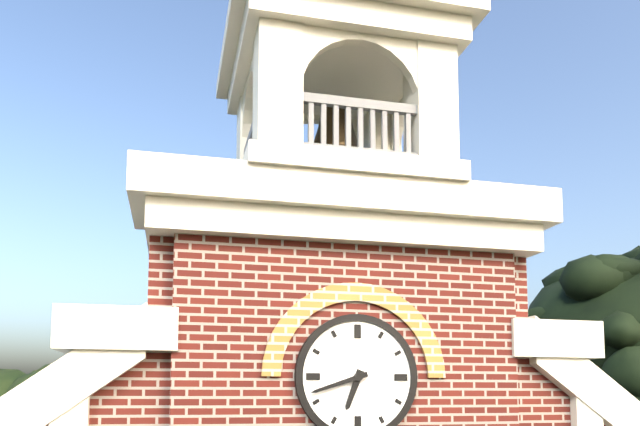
6:42
